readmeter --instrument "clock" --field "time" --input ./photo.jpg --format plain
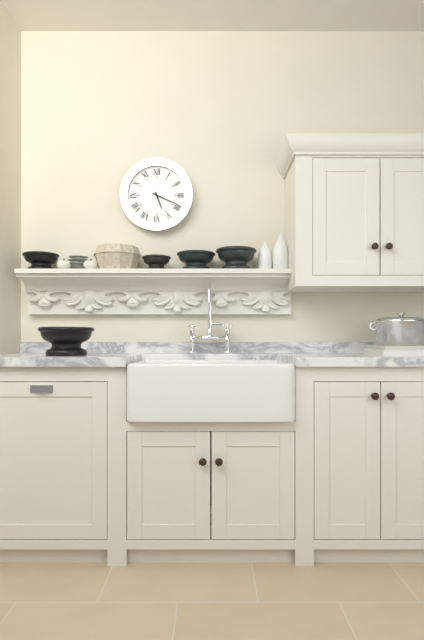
5:19
